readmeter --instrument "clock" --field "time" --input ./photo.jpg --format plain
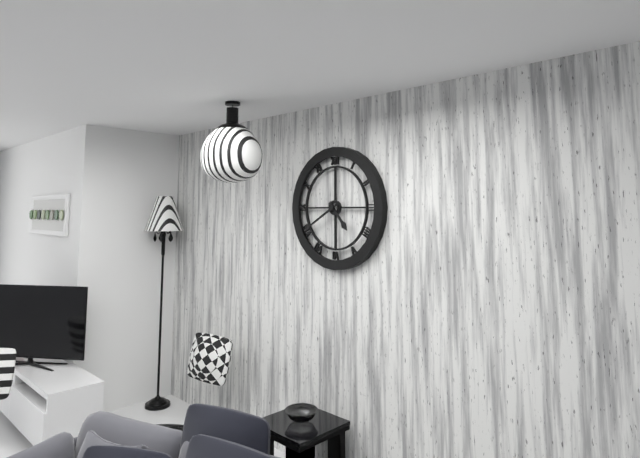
4:40
